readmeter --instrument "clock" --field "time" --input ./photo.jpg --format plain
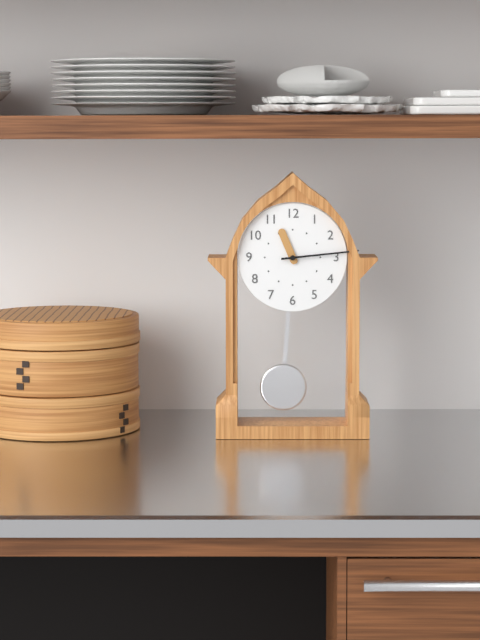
11:14
